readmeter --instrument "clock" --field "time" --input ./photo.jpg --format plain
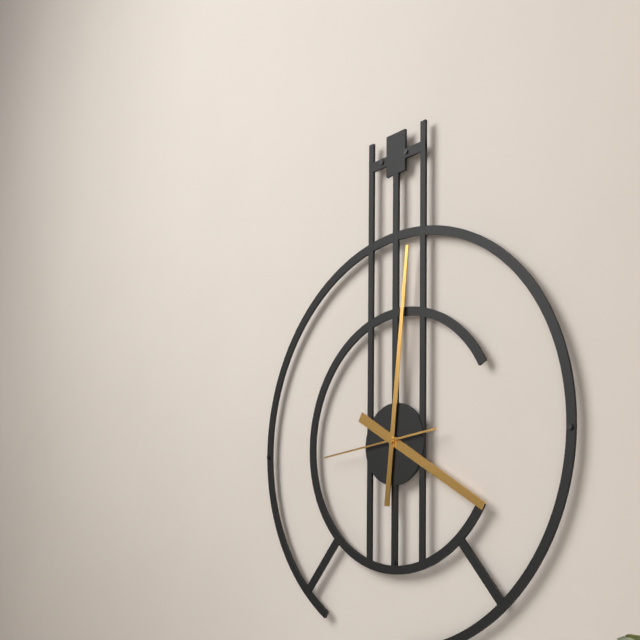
4:01:44
